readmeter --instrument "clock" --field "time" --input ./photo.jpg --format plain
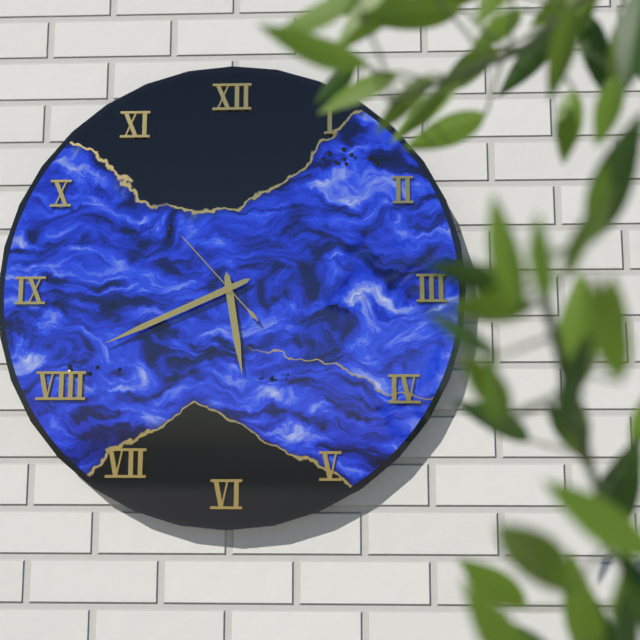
5:41:53
